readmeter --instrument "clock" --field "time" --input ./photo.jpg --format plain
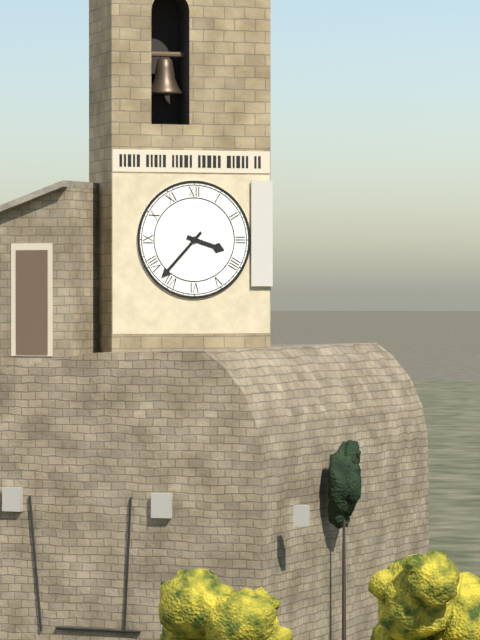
3:37
